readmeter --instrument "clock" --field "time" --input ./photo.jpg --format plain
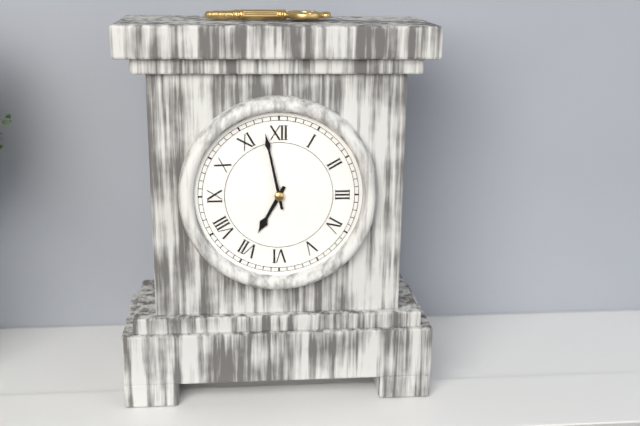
6:58
